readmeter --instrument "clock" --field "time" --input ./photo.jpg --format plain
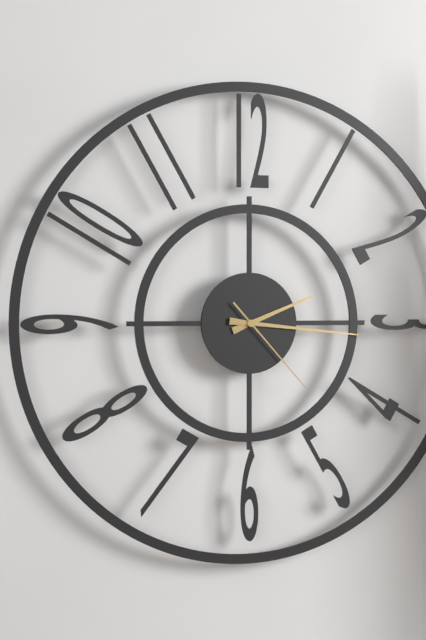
2:16:23
